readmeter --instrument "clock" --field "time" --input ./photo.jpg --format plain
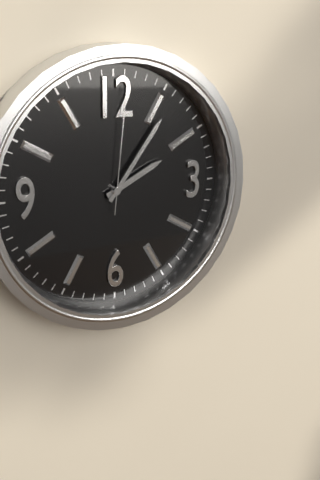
2:06:01
